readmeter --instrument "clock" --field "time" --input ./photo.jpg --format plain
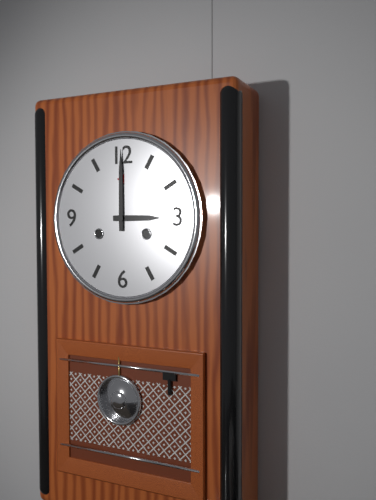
3:00
